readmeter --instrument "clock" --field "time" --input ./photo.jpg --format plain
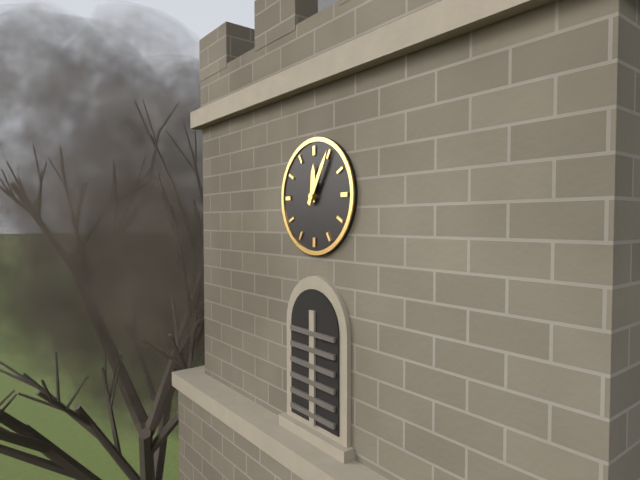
12:05
